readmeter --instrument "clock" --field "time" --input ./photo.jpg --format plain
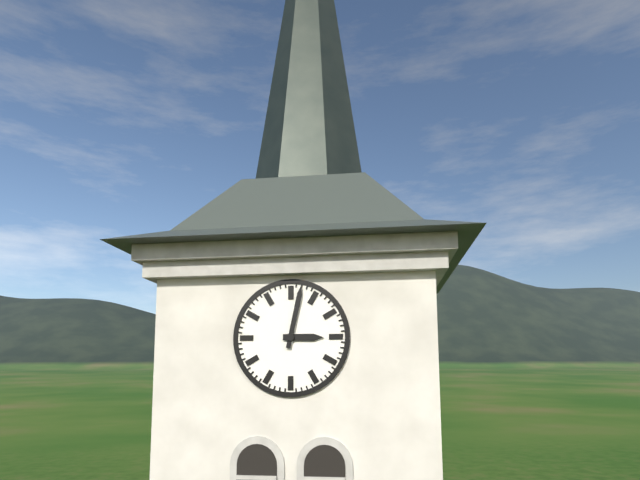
3:02
